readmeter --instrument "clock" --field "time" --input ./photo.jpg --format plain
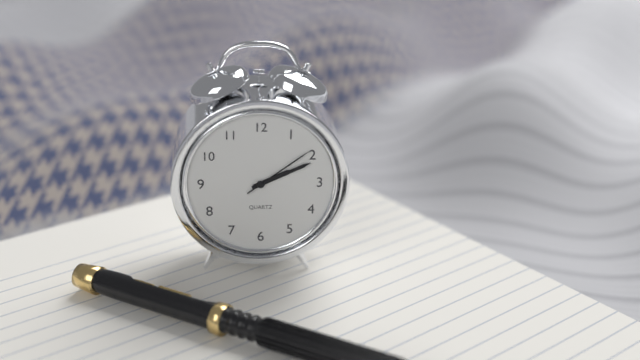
2:11:09
